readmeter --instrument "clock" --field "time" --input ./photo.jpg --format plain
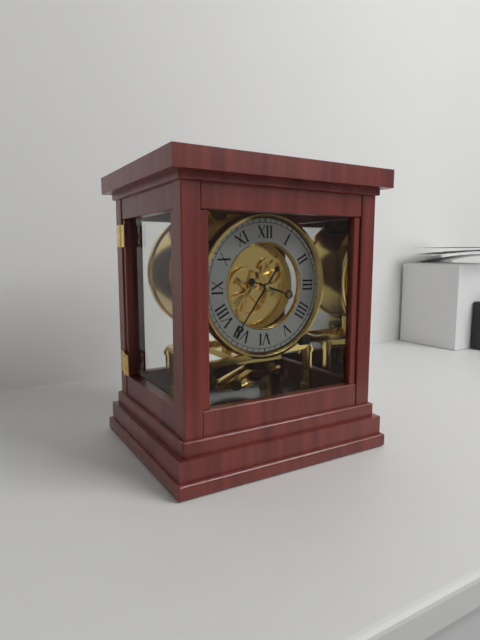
3:36
